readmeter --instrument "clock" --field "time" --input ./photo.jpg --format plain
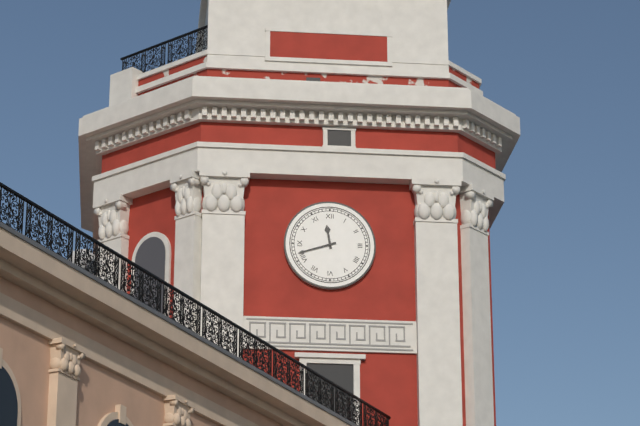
11:42
